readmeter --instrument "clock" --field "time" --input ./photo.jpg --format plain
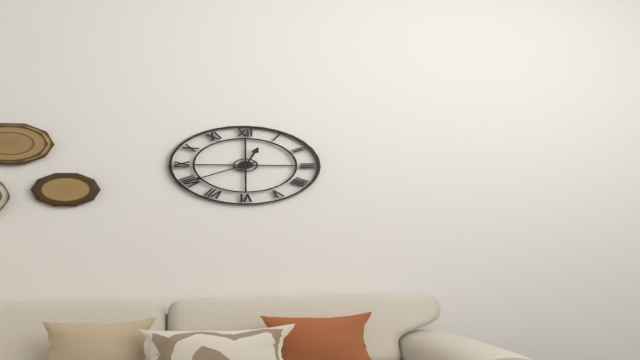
12:40
